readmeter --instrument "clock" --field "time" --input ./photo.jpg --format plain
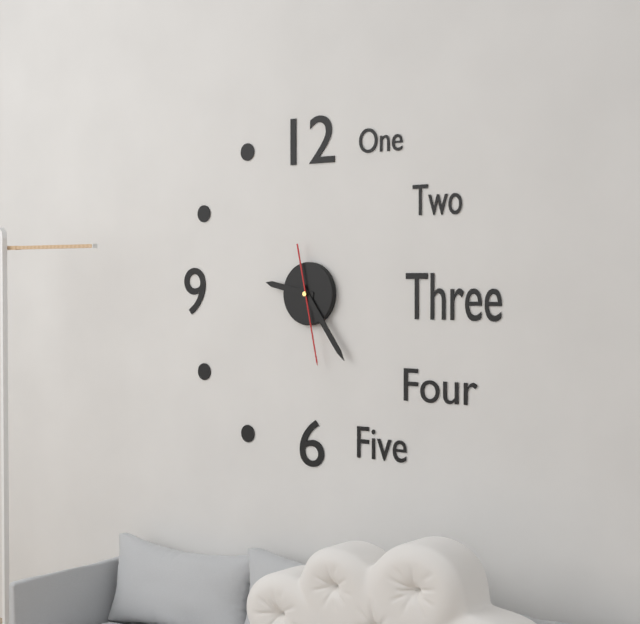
9:24:28
